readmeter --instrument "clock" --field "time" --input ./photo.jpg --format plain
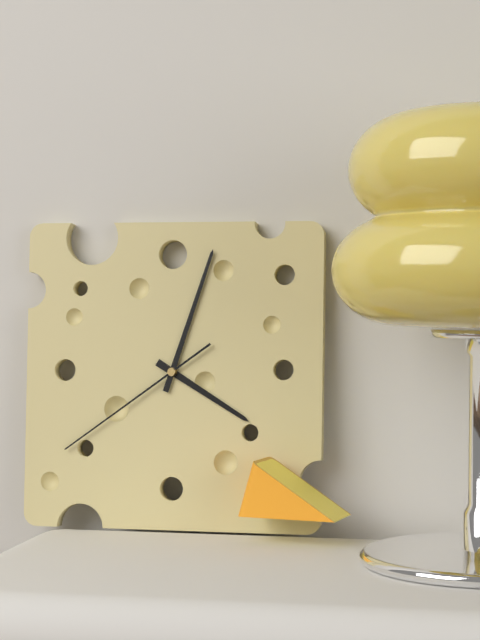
4:03:39
